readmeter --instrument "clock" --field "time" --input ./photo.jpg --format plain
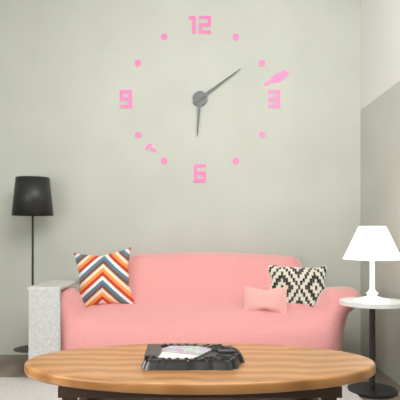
6:09
